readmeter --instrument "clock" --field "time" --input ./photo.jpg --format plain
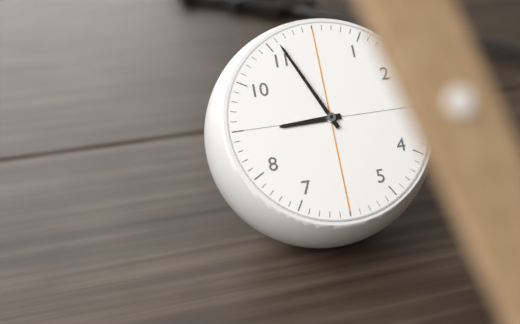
8:56
